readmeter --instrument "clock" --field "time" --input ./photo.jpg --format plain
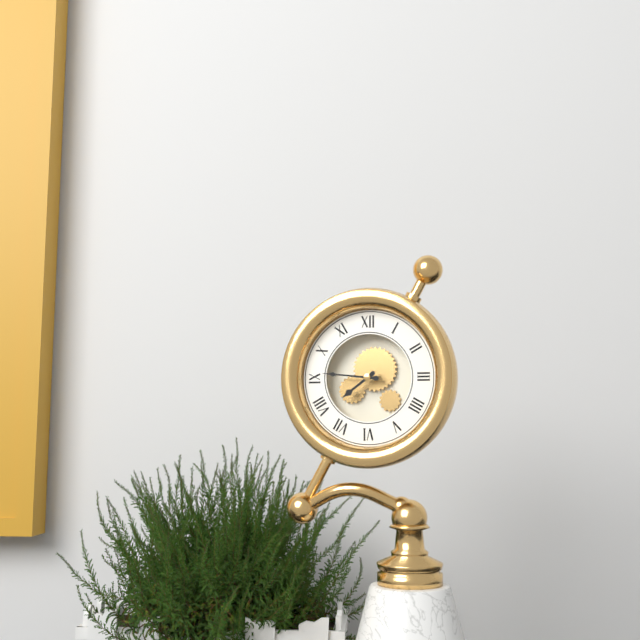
7:46
